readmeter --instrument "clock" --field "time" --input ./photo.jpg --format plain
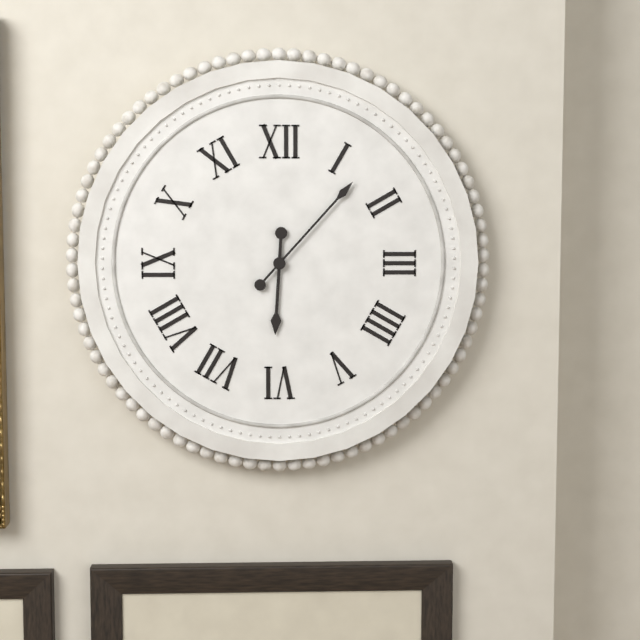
6:07
